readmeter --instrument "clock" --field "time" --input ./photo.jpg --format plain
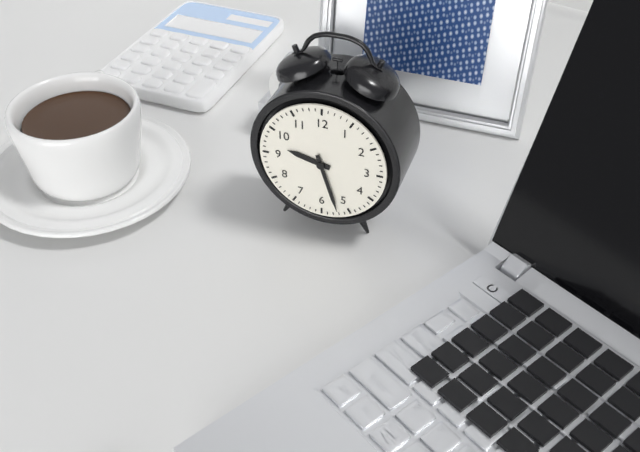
9:27
